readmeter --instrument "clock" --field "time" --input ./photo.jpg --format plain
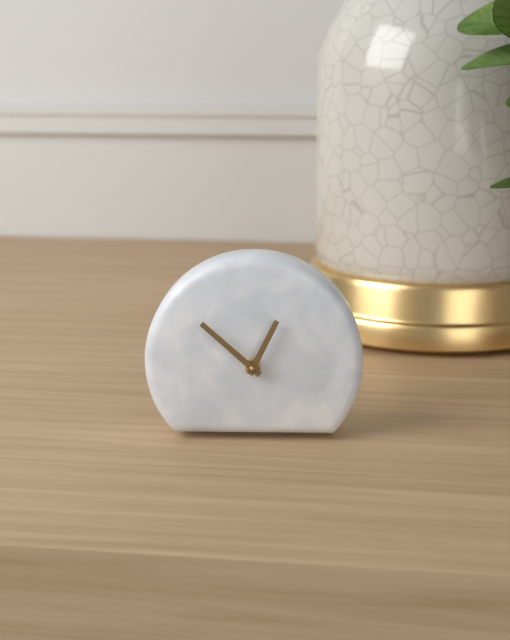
12:52
